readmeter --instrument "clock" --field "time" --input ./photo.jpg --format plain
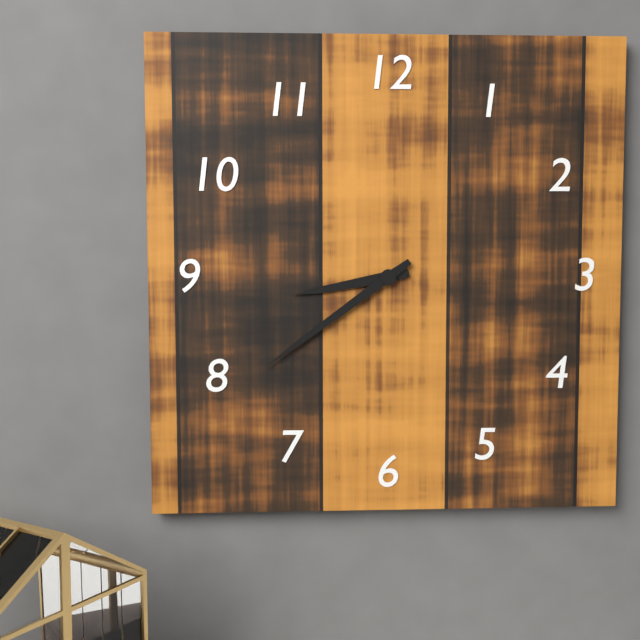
8:39
